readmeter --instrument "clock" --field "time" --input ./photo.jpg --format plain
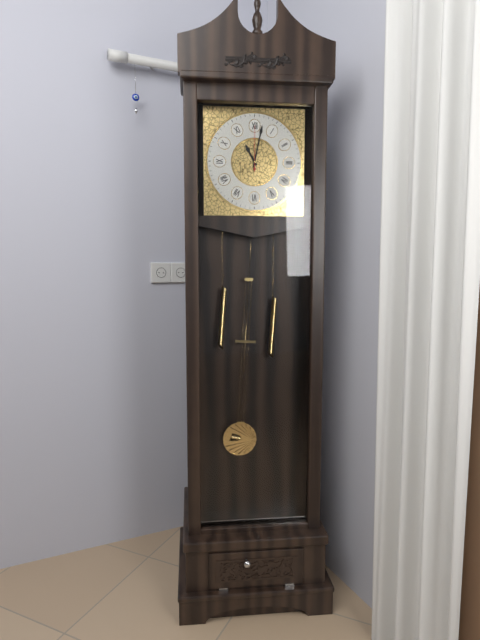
11:02
